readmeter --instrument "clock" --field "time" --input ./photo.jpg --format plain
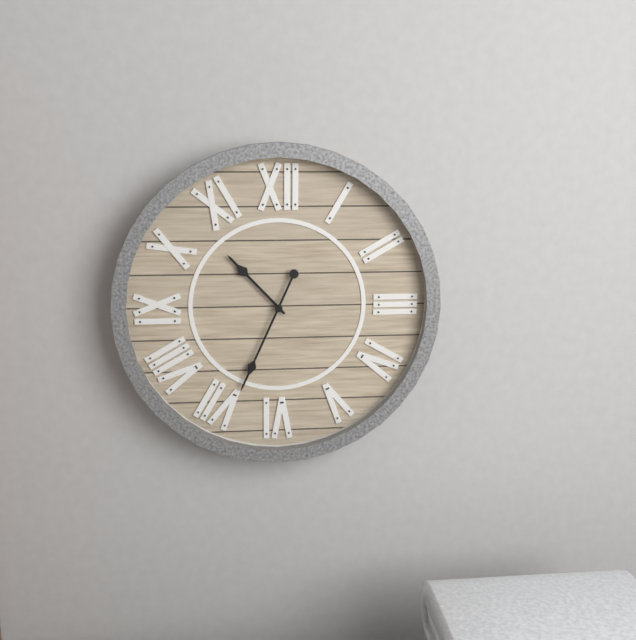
10:34
